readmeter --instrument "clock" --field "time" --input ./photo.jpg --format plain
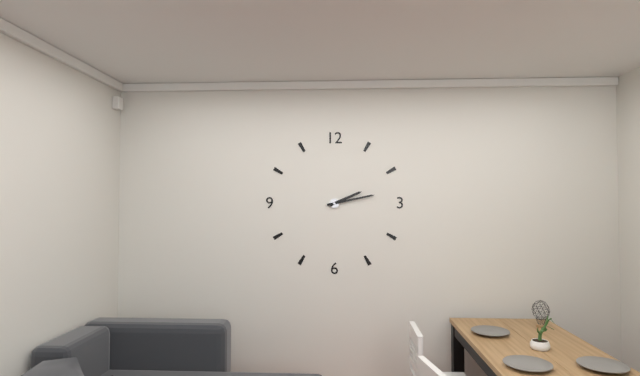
2:13
